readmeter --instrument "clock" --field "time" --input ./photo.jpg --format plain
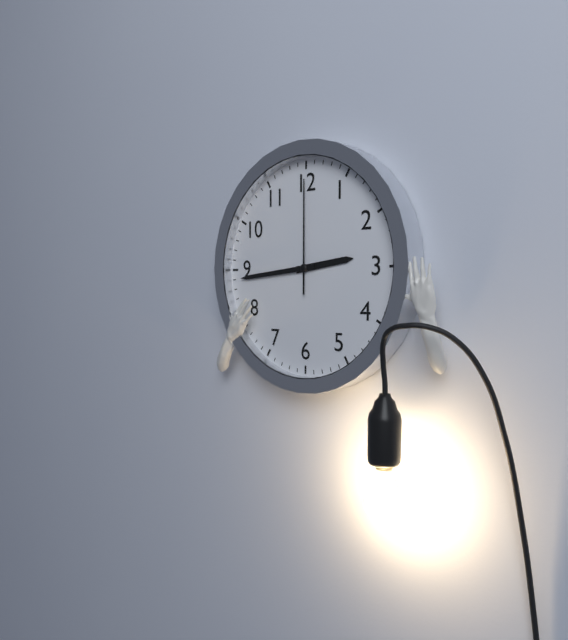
2:44:00
